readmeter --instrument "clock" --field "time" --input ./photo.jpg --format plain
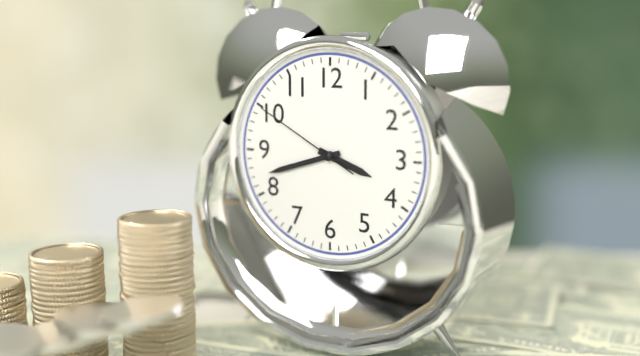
3:42:50
